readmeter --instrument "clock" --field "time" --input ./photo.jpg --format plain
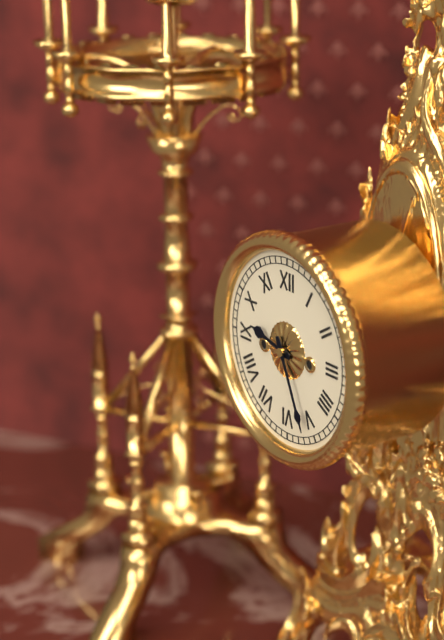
9:26
